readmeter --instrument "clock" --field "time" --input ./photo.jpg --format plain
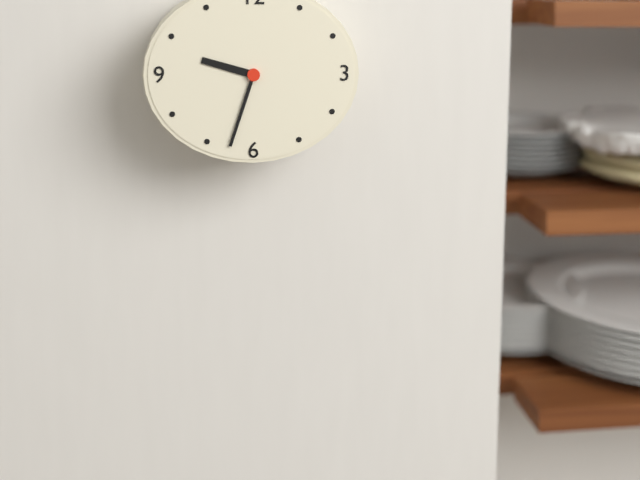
9:33
